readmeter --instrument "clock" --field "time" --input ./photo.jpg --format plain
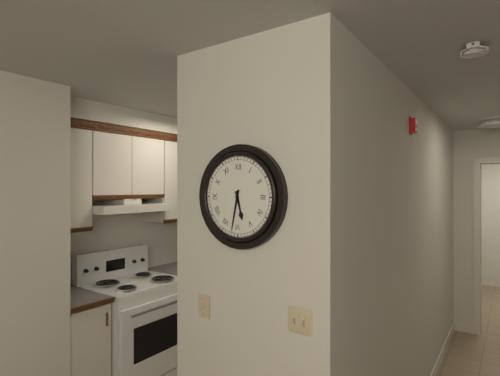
5:32
